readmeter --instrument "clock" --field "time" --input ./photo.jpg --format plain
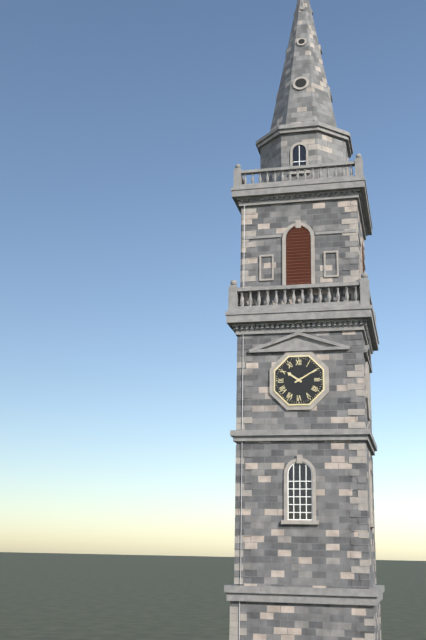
10:10
